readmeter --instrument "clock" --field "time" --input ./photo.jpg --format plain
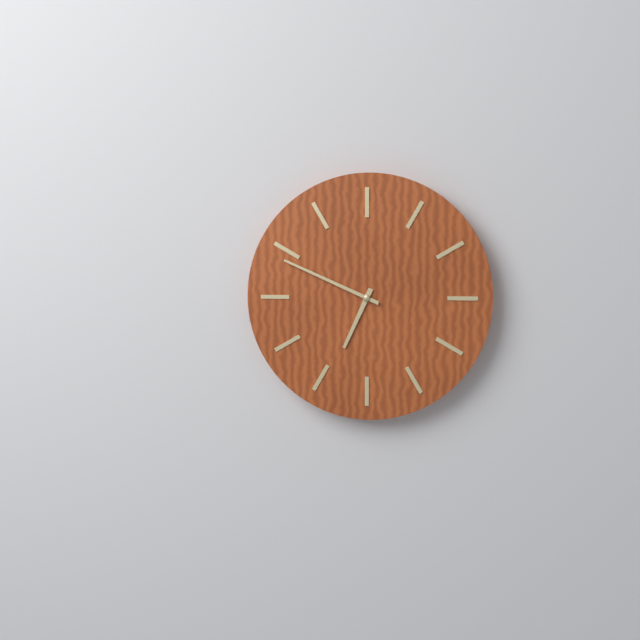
6:49
